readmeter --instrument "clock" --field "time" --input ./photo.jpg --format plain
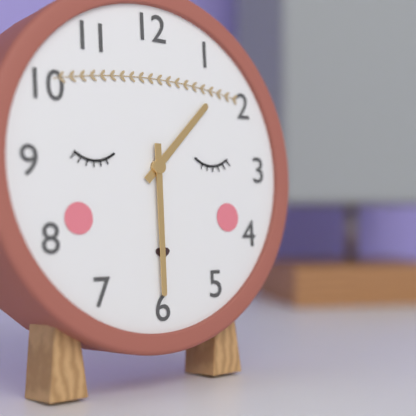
1:30
